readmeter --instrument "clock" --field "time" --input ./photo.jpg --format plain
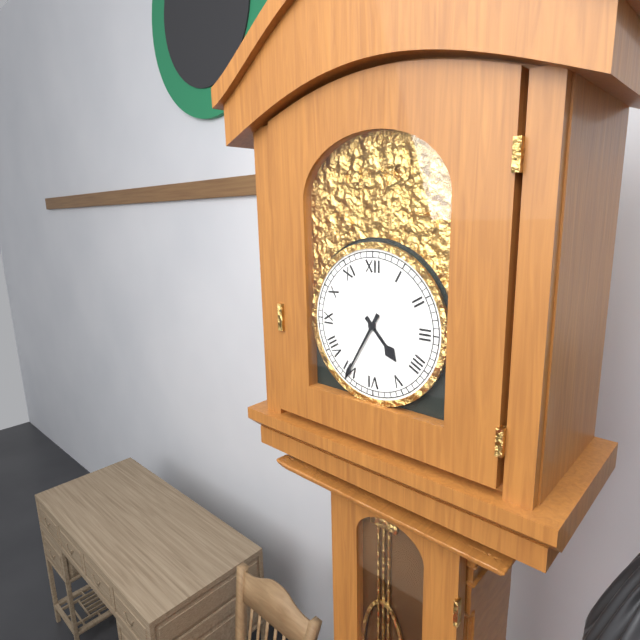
4:35
